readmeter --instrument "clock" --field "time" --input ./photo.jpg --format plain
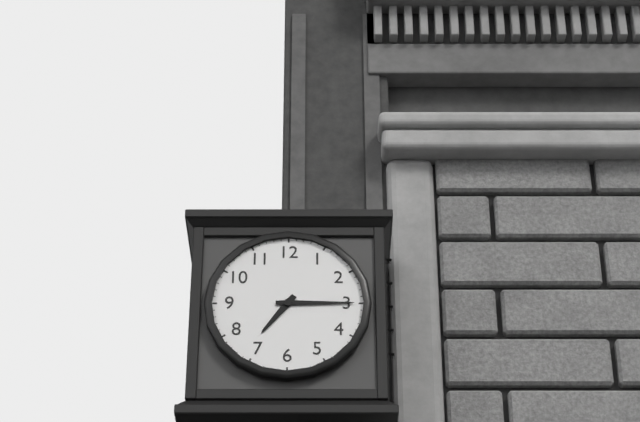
7:15
